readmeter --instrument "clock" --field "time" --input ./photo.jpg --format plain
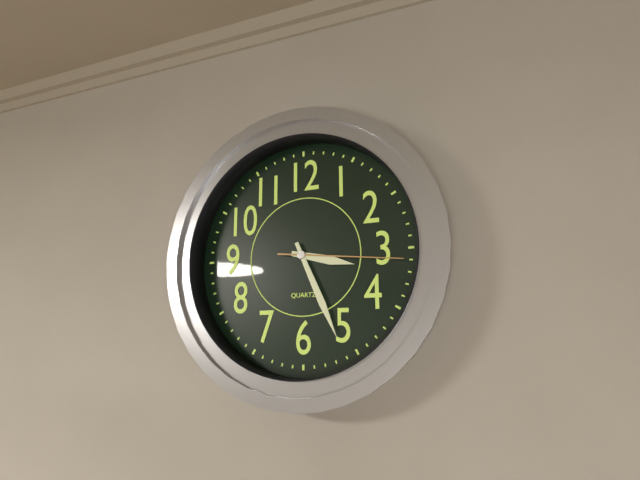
3:26:16
